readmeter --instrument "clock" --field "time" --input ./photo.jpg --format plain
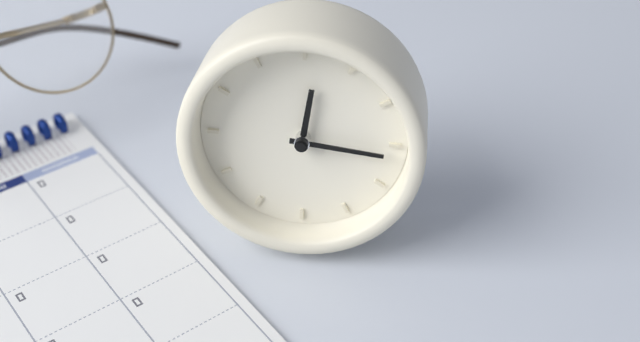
12:16
